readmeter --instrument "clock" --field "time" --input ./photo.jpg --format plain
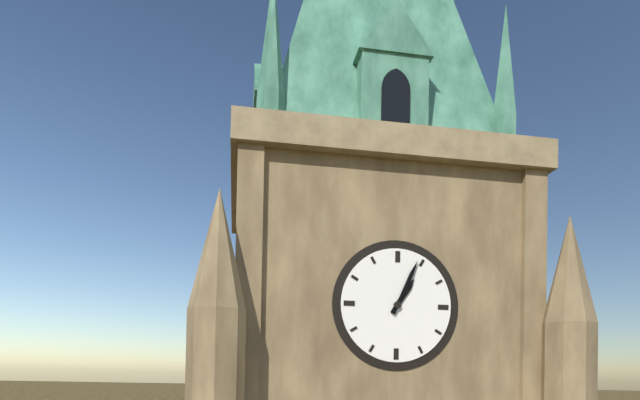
1:04
